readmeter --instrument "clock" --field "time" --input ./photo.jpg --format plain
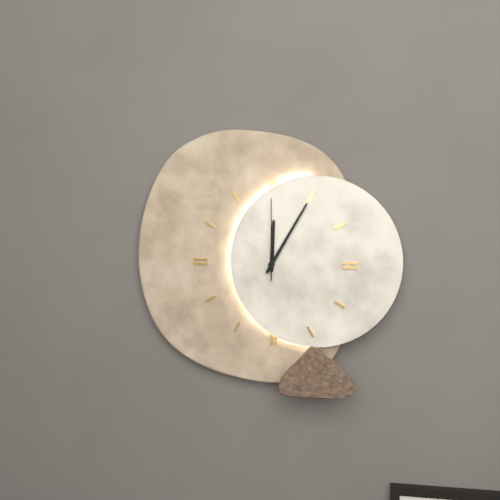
12:05:00
